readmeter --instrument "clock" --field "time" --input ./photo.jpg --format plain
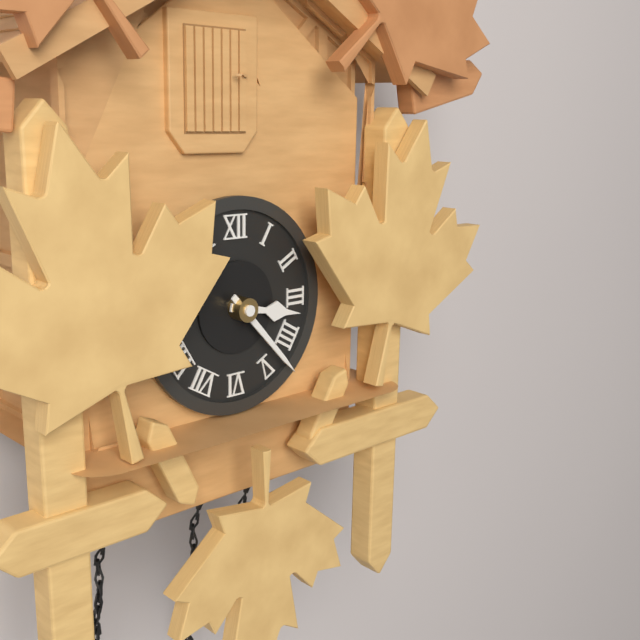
3:23
